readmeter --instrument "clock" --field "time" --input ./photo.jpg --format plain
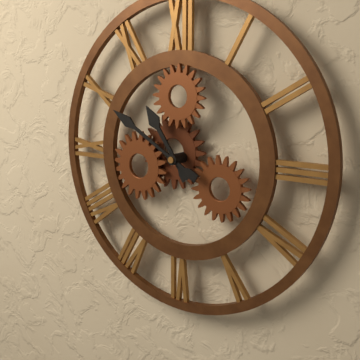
10:50
